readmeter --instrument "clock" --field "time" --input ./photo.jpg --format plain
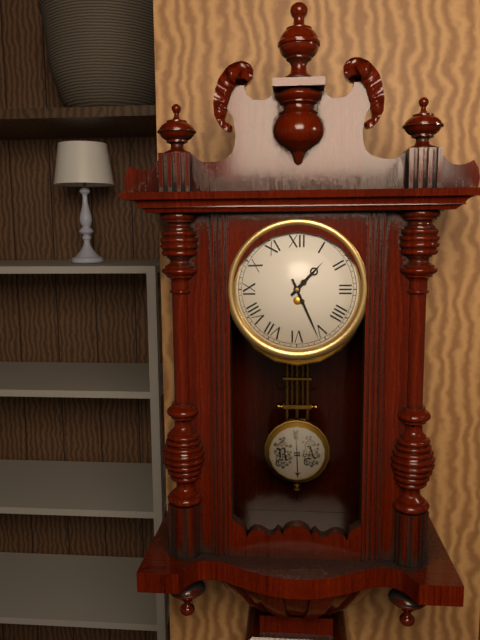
1:26
